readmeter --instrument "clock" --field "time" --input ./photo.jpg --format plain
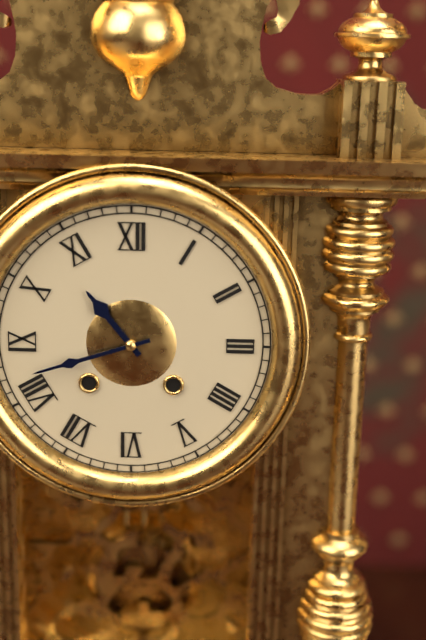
10:42
